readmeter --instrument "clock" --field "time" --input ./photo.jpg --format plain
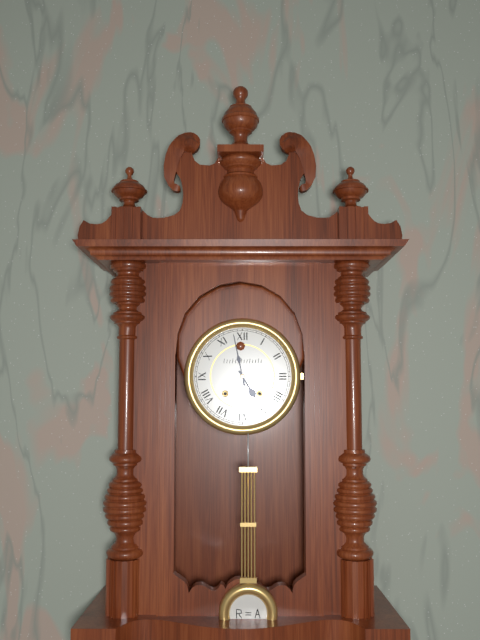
4:58
